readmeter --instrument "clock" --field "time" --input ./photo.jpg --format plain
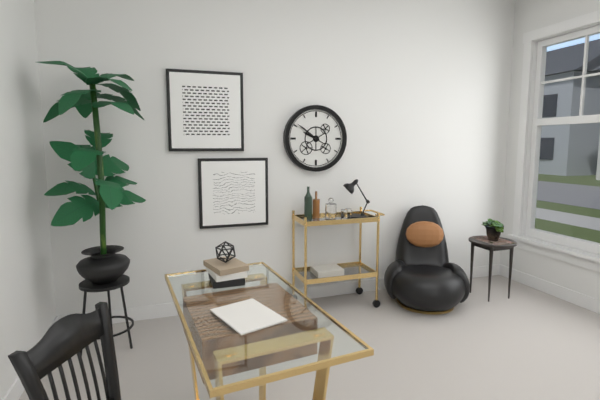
9:51
